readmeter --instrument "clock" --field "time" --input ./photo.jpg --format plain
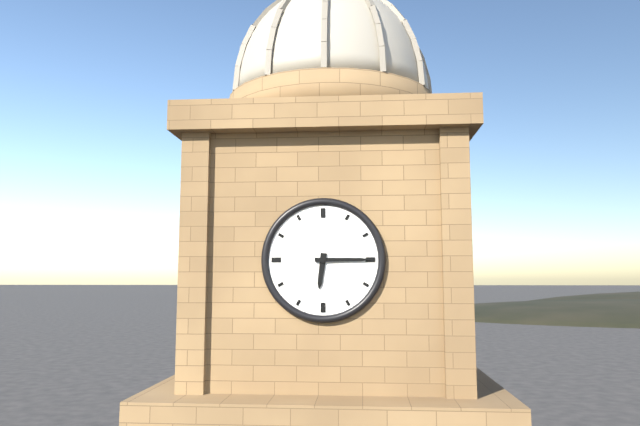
6:15
